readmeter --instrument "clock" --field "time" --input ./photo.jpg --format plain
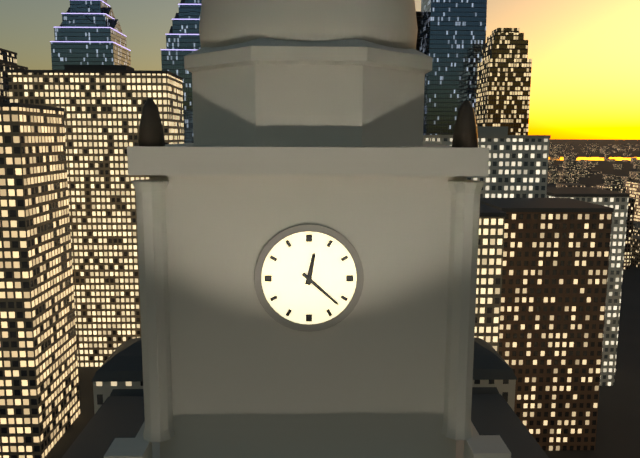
12:22
